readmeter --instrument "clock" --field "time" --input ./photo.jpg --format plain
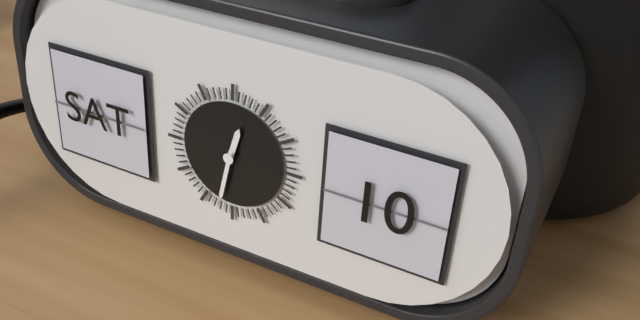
12:32
